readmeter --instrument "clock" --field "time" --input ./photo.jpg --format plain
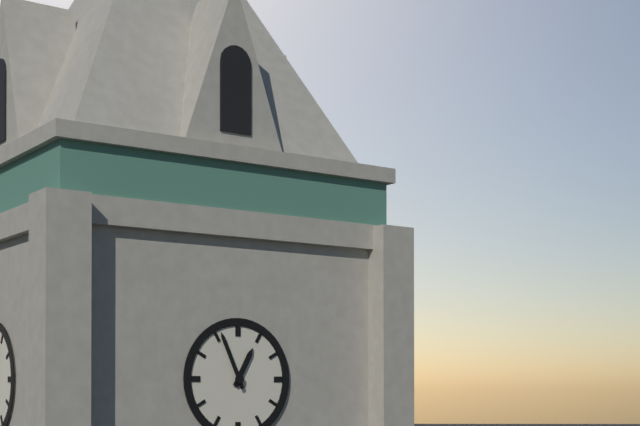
12:56
